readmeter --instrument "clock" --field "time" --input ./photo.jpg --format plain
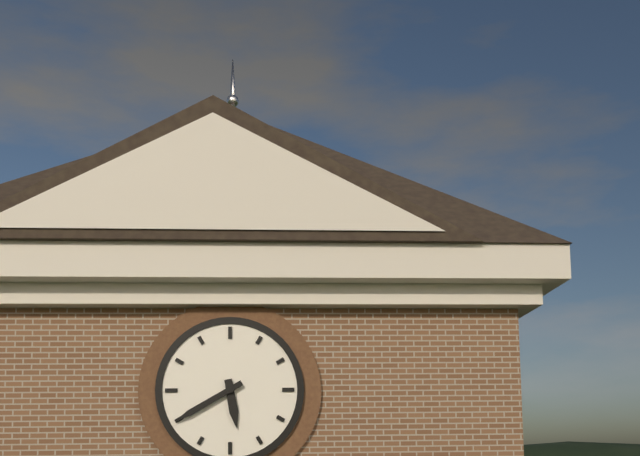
5:40
